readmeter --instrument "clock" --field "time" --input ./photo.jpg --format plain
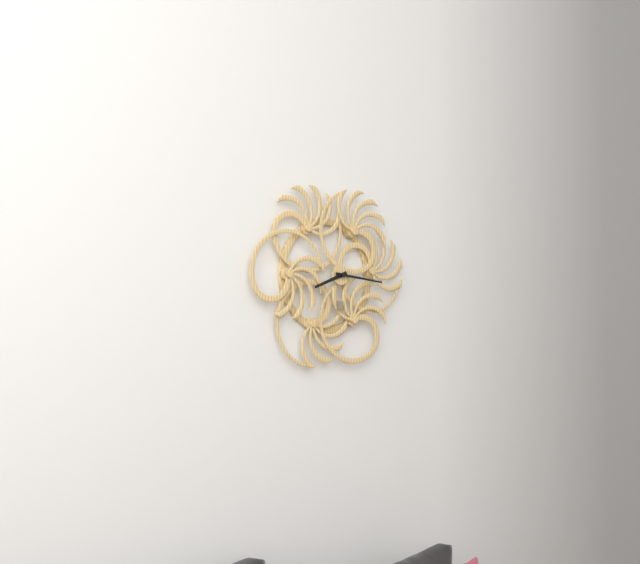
8:16
